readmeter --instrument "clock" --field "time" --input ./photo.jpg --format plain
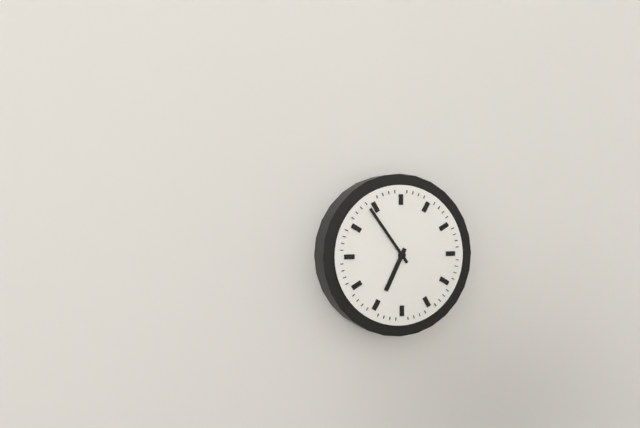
6:54
